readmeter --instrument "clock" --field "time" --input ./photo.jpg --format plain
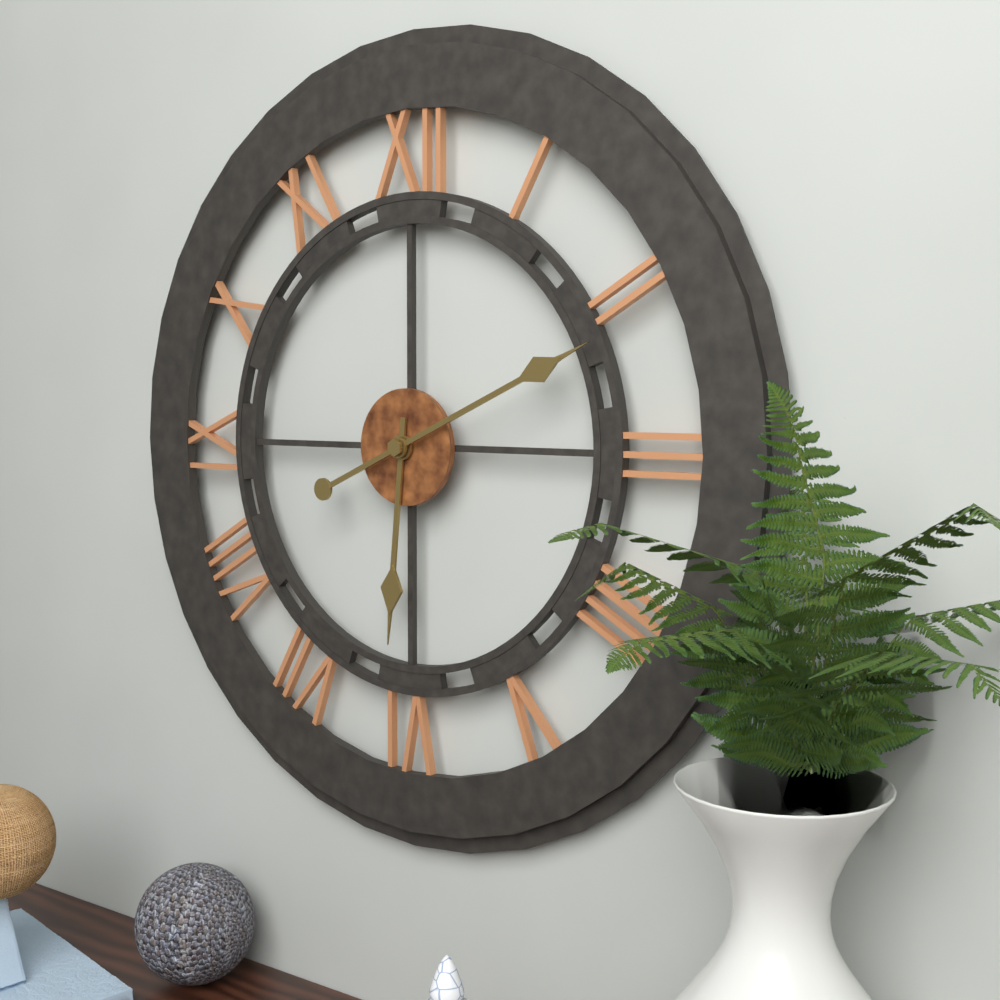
6:11
